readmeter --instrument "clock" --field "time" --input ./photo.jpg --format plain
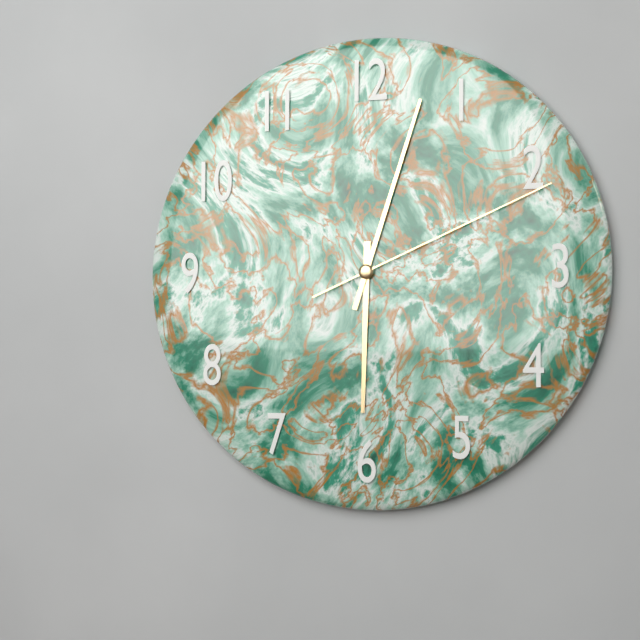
6:03:11
